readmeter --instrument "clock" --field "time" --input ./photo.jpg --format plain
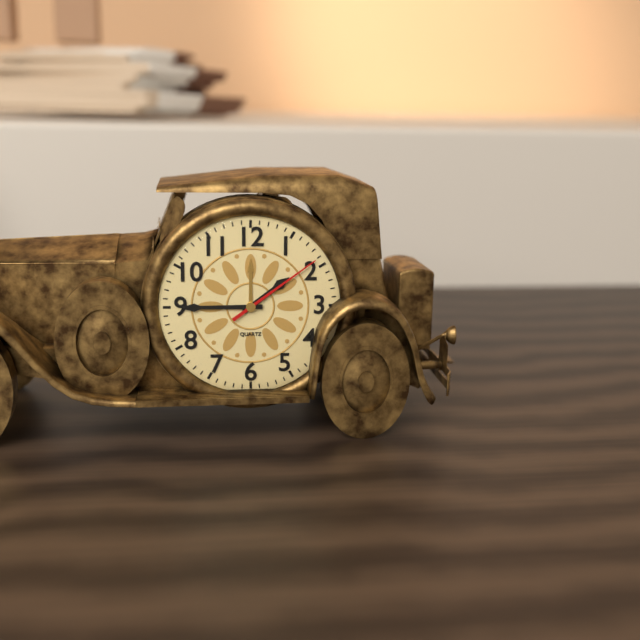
1:45:09
